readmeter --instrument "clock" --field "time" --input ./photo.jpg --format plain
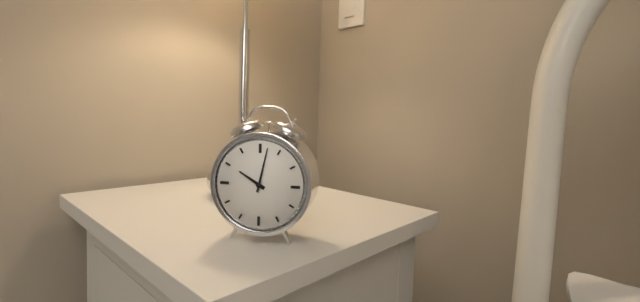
10:02
